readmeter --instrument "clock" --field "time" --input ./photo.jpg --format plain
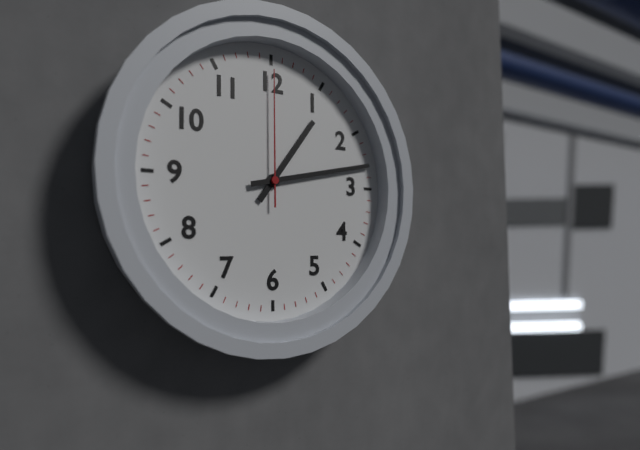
1:13:00
